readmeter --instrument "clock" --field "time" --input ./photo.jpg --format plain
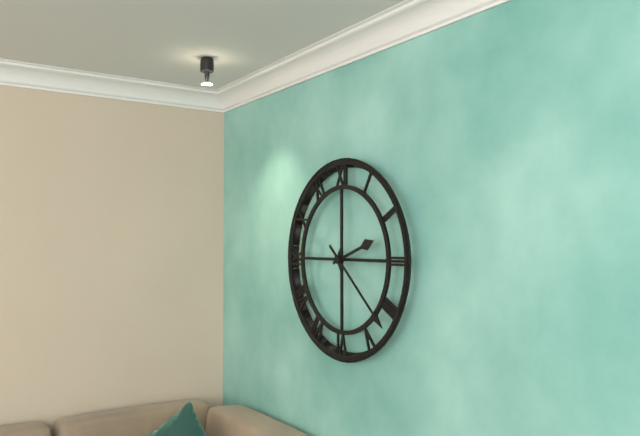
2:22
